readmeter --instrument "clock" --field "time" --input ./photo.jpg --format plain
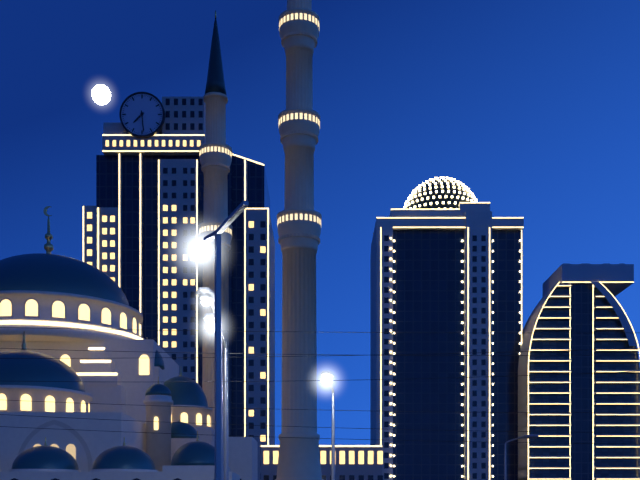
7:29
